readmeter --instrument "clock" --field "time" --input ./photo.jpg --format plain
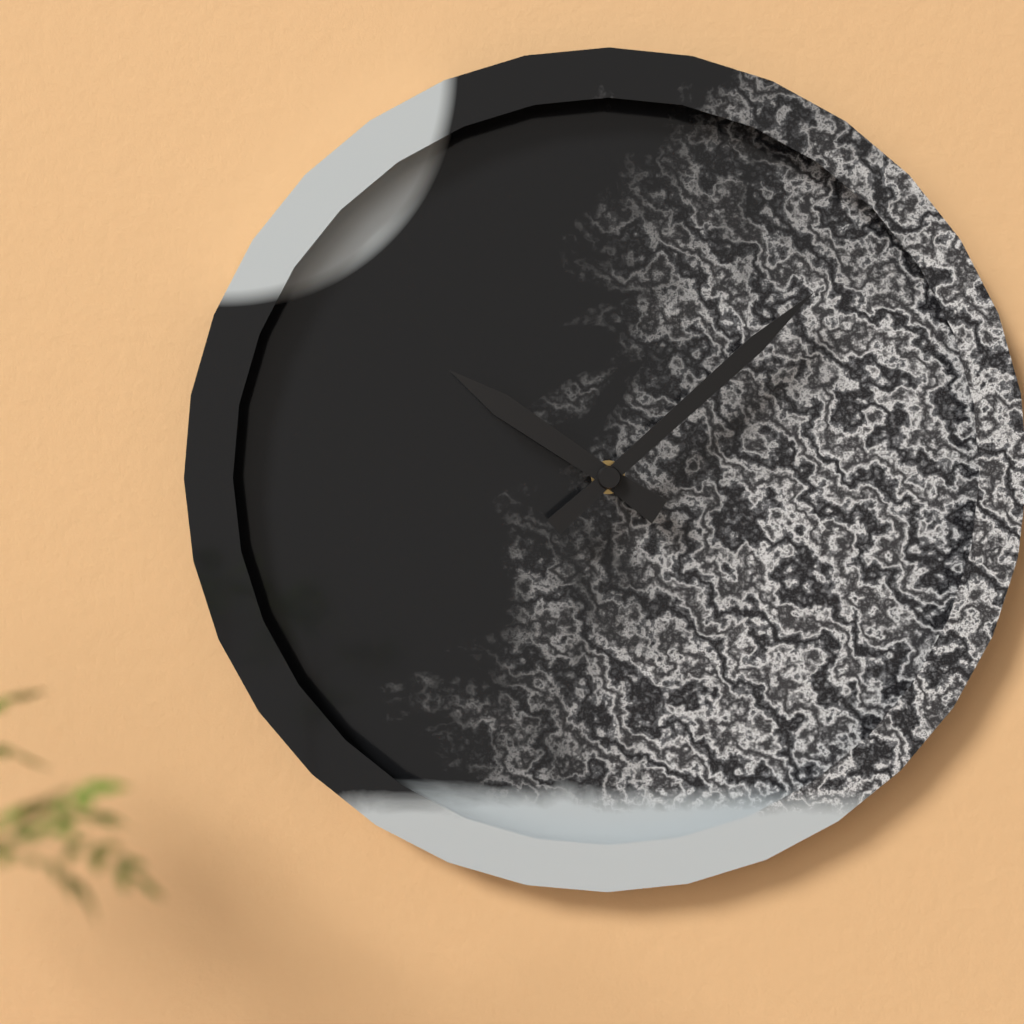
10:08
